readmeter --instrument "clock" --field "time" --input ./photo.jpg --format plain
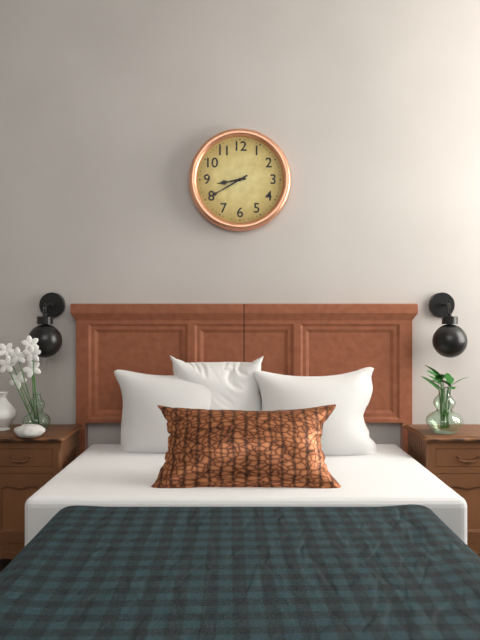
8:40
